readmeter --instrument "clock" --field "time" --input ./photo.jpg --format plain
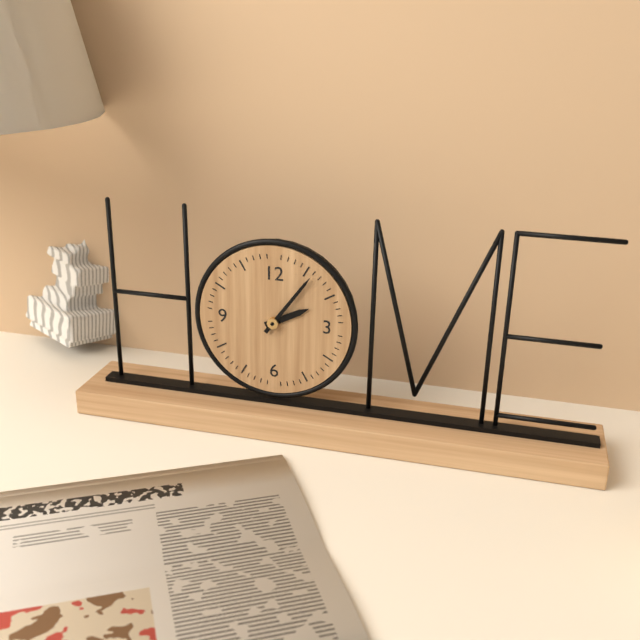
2:06
